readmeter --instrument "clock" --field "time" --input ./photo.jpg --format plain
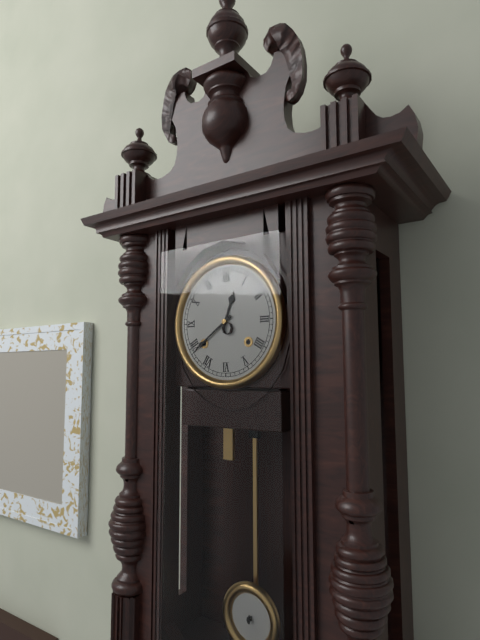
12:39
